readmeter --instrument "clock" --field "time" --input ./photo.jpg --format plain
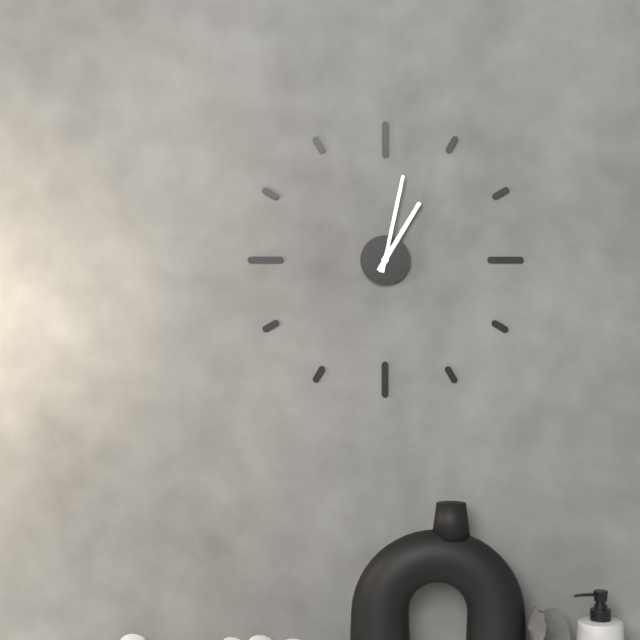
1:02
